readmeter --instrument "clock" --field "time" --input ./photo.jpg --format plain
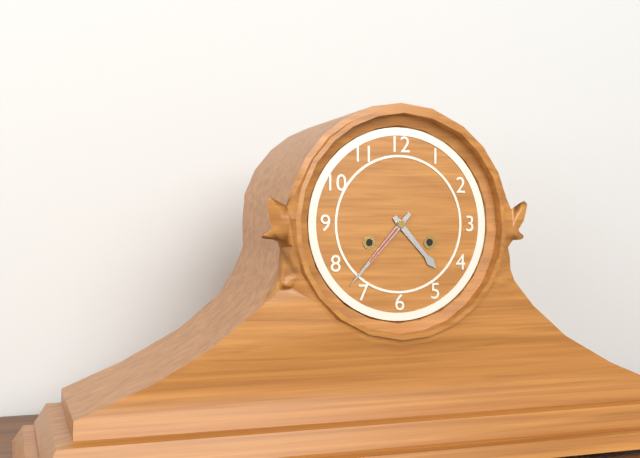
4:37
